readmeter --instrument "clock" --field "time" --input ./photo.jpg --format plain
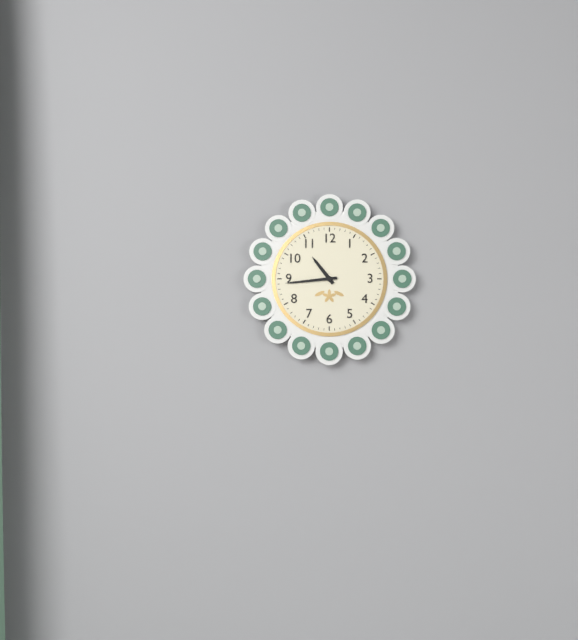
10:44
